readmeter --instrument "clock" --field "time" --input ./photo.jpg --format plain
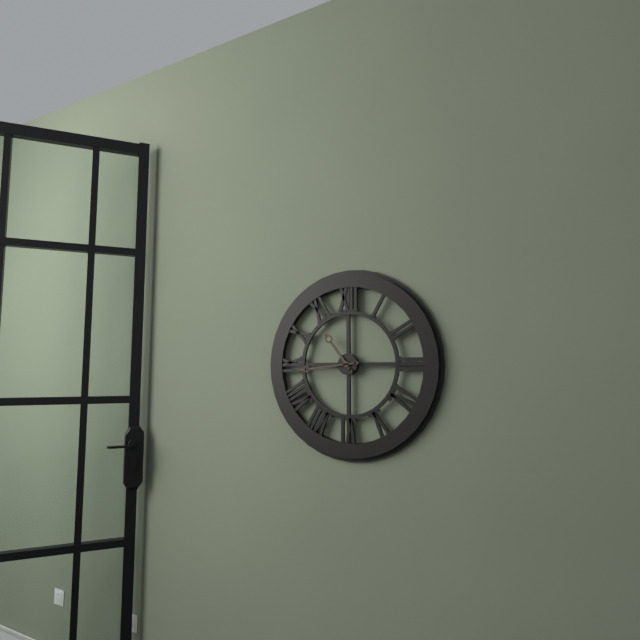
10:44
